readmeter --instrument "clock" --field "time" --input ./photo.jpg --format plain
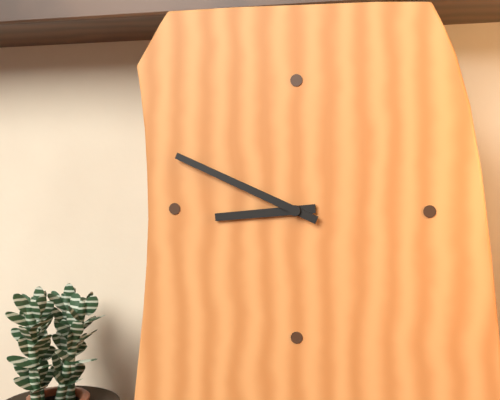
8:49
